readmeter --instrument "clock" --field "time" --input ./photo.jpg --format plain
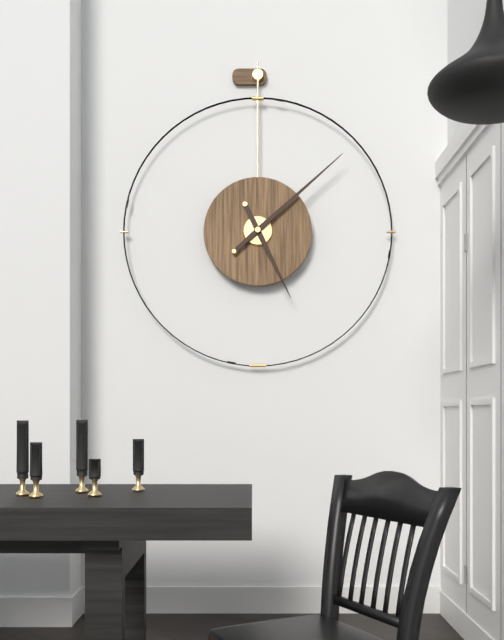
5:08
